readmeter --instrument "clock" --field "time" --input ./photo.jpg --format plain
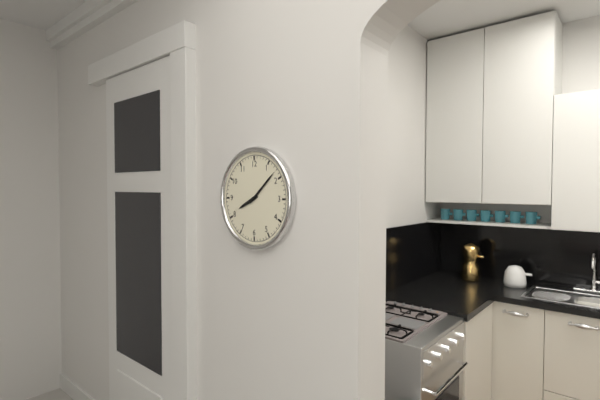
8:08
